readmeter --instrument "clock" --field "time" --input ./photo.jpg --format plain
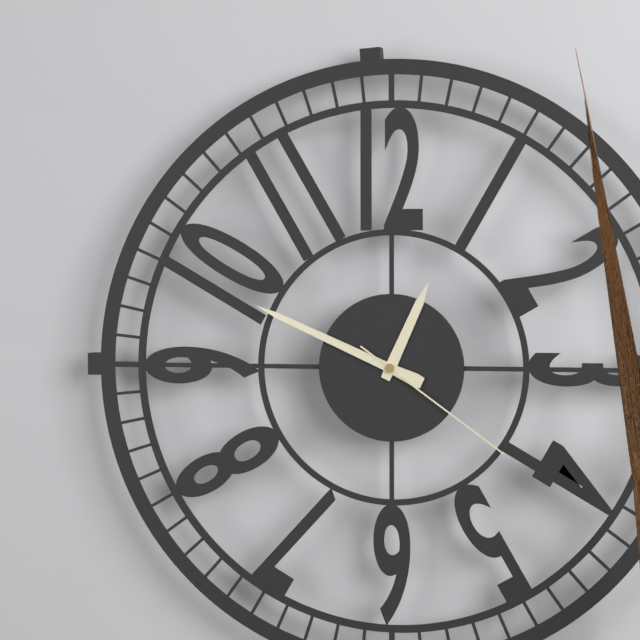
12:49:21
